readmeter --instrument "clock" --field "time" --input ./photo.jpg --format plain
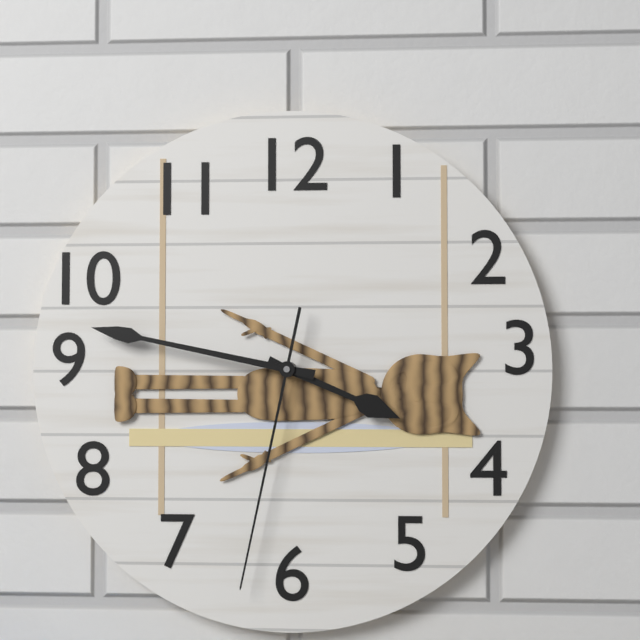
3:47:32
